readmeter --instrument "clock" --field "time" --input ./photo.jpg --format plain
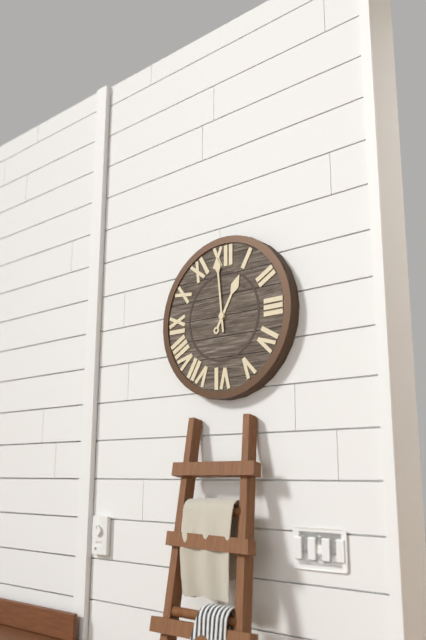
12:59
